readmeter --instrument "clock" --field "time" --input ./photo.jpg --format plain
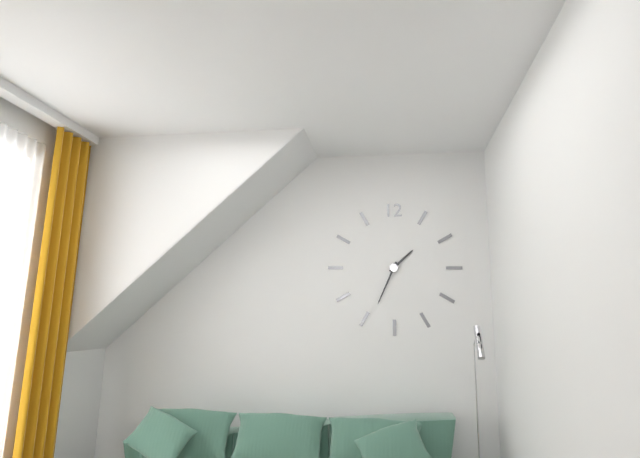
1:34
